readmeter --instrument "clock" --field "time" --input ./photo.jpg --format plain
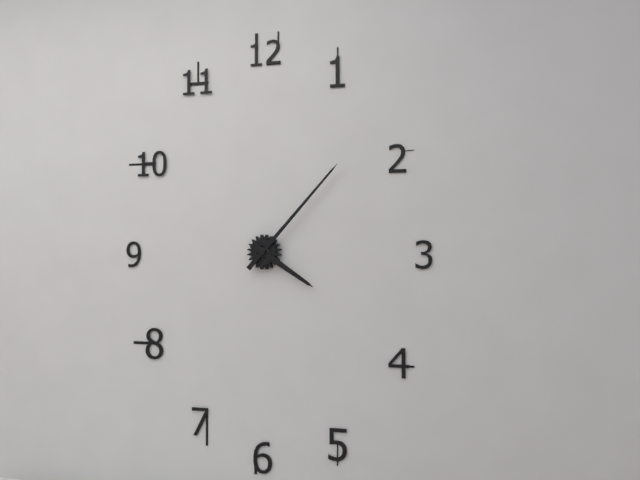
4:07
